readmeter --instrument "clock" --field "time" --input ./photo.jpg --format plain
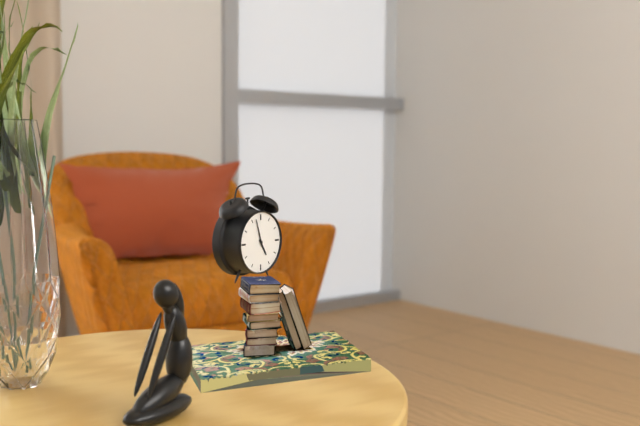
4:57
